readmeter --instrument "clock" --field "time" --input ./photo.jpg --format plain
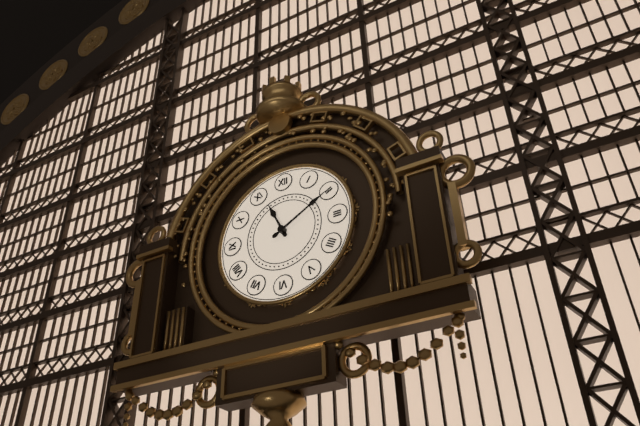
11:10
